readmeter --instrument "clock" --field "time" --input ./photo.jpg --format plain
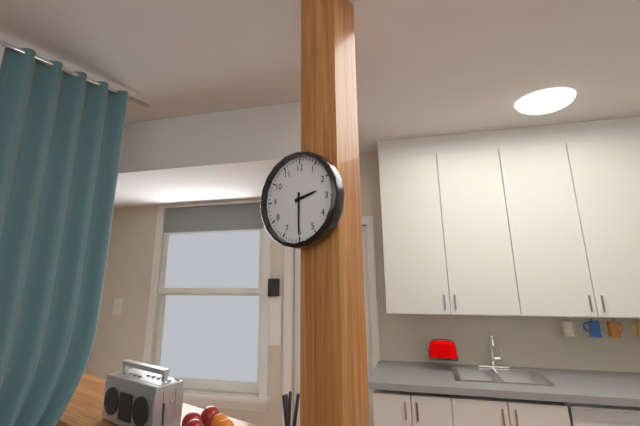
2:30
